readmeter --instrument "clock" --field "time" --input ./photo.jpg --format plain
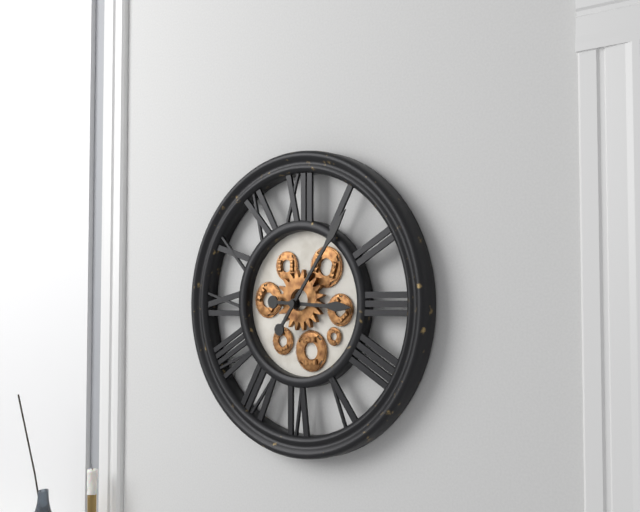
3:06
